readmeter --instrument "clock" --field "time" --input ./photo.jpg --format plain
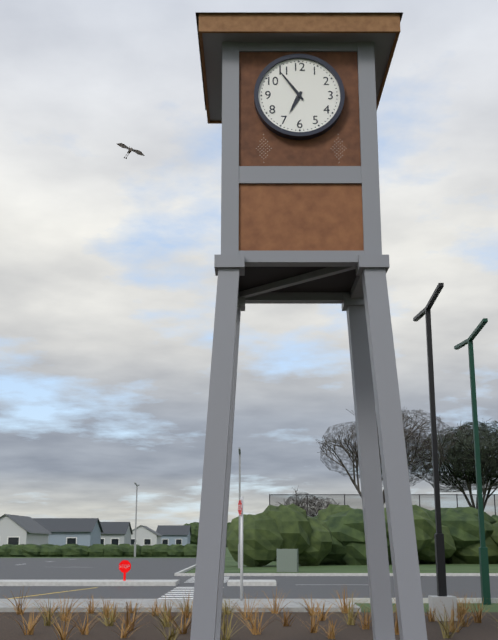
6:54
